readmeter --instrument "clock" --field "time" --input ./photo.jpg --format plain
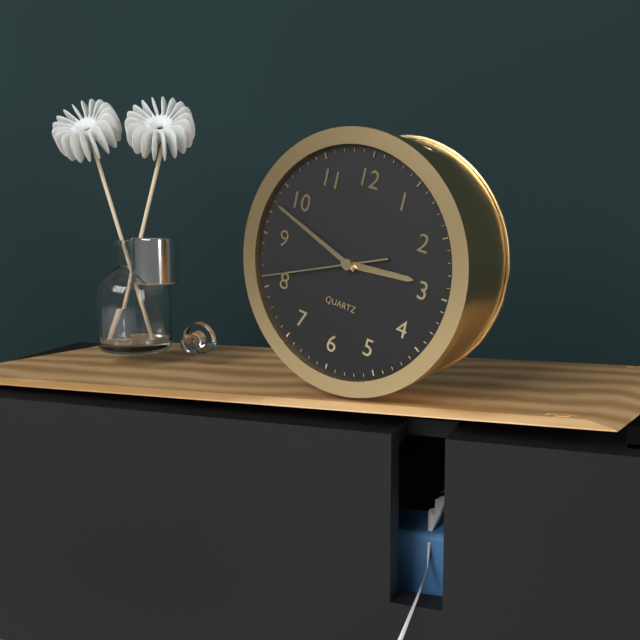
2:48:41
